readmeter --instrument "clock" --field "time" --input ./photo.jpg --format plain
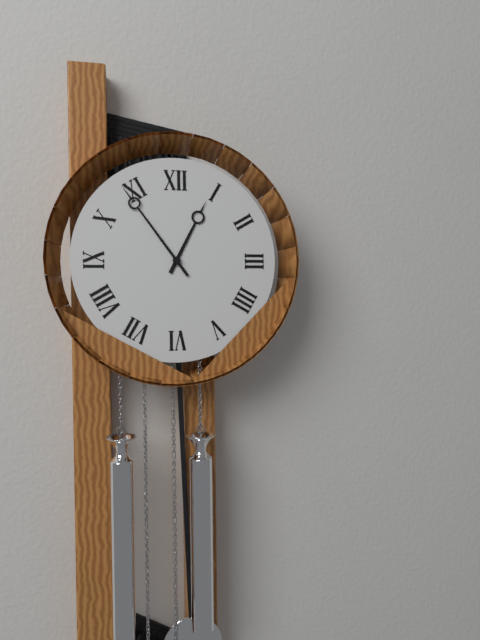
12:54
